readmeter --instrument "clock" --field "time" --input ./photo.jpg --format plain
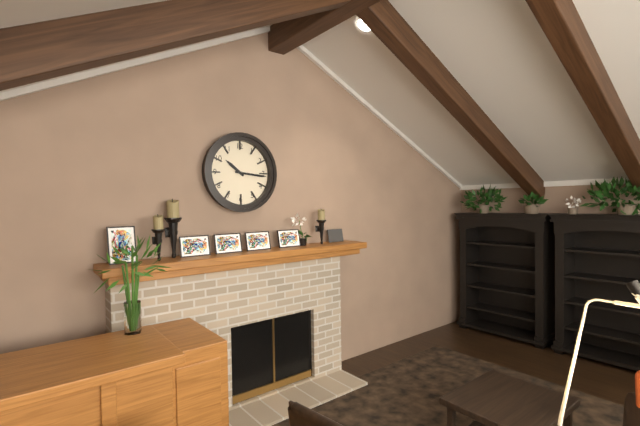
10:16
